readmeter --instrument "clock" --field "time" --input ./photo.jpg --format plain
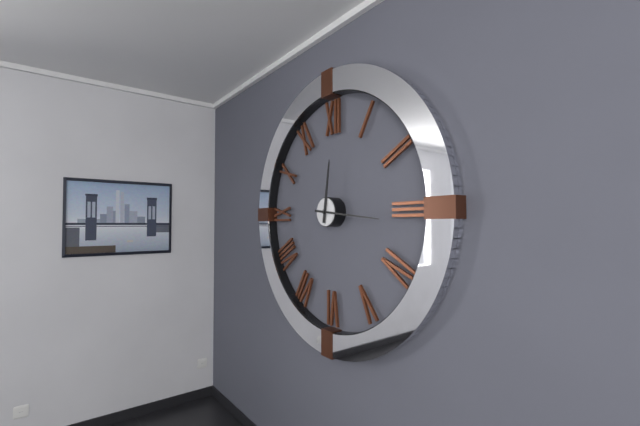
12:16
